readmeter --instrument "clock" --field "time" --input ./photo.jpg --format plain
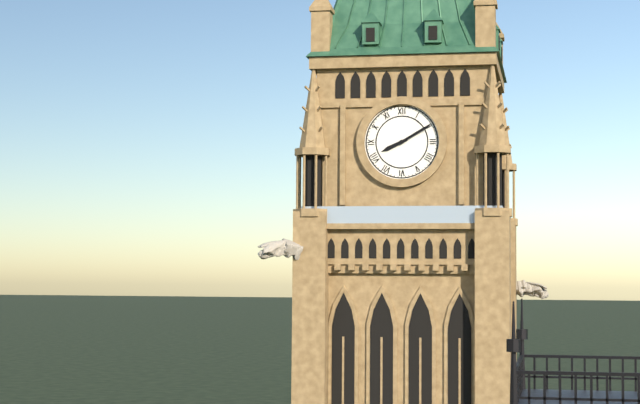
8:10
